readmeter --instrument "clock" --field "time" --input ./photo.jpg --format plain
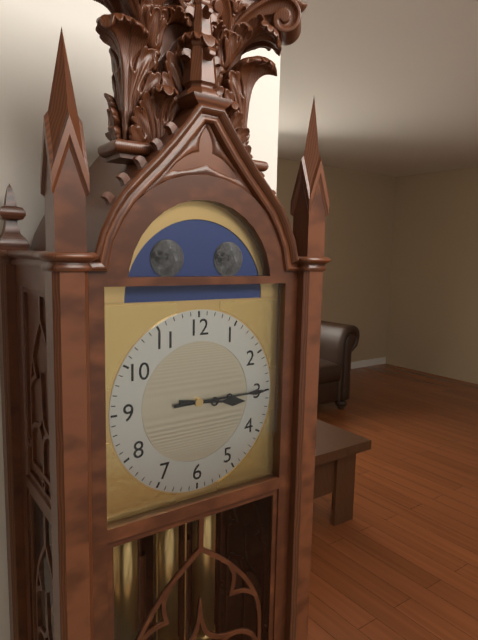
3:15
